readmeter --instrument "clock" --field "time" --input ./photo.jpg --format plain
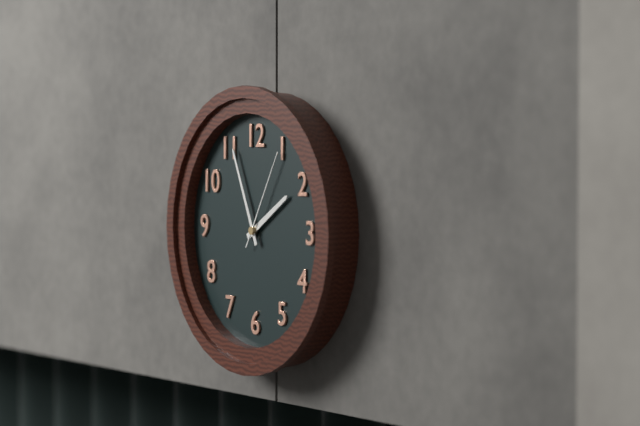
1:56:05
